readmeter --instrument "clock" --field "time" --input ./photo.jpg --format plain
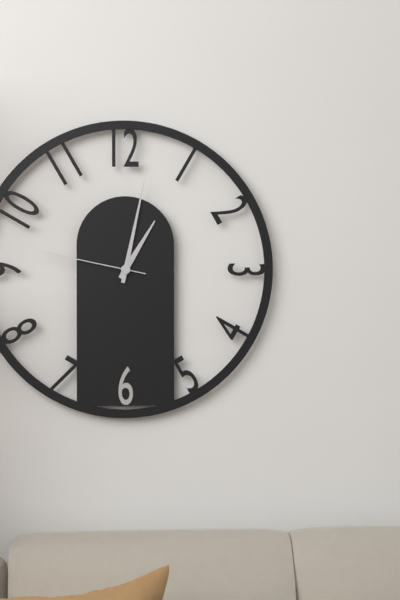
1:02:47
